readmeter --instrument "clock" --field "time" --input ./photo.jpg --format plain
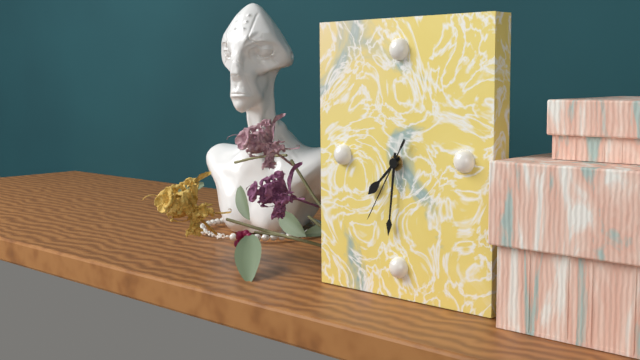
7:31:35
